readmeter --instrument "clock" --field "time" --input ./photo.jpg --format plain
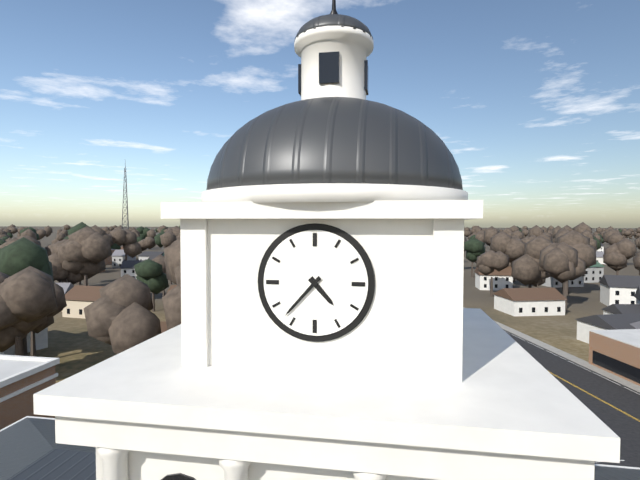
4:37
